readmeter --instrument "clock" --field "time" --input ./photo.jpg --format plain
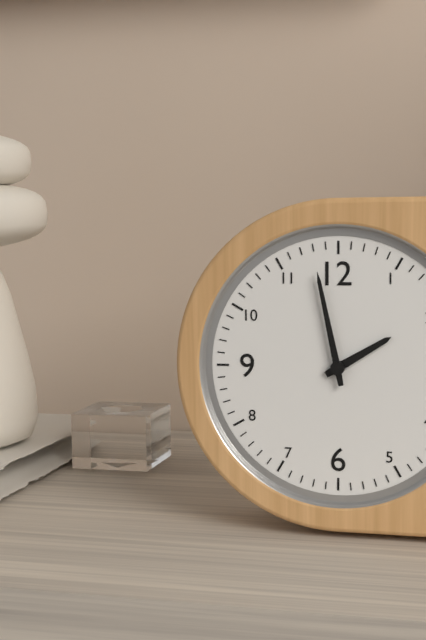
1:58
